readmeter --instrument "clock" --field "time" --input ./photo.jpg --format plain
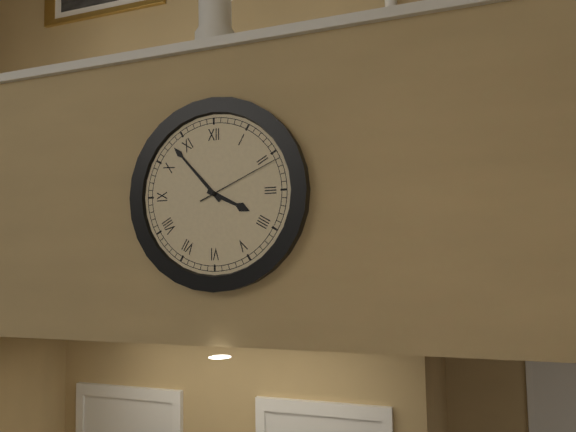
3:53:11
